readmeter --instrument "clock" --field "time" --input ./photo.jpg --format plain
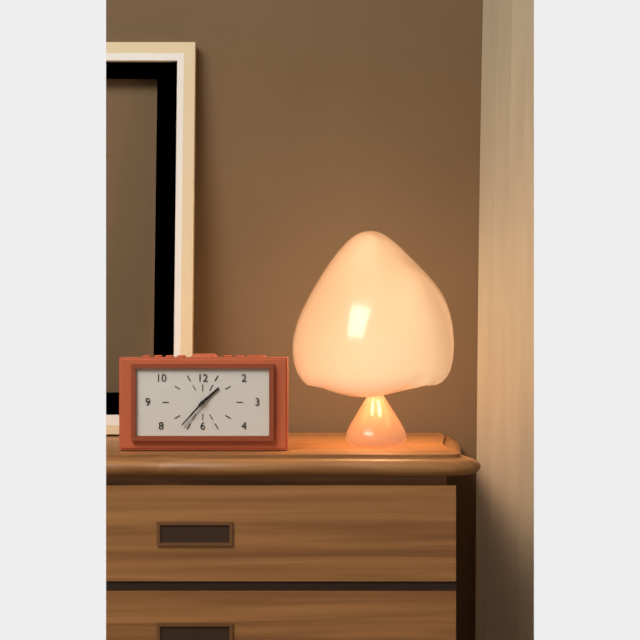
1:37
